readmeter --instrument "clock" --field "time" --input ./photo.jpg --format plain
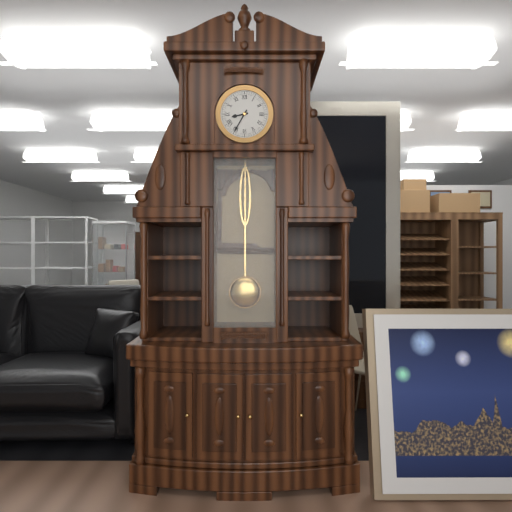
8:35
